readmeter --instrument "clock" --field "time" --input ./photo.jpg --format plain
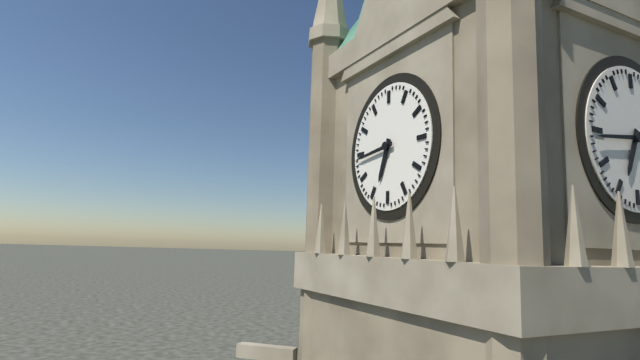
6:44
